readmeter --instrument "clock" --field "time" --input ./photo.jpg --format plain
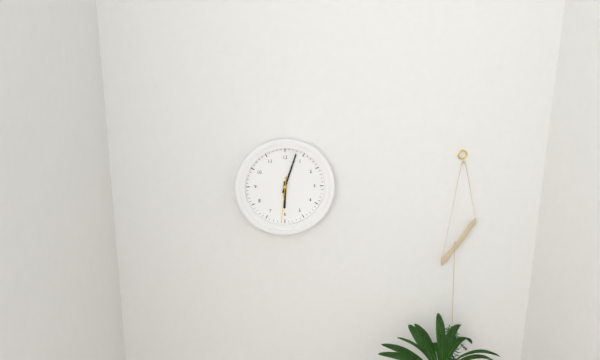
6:03
